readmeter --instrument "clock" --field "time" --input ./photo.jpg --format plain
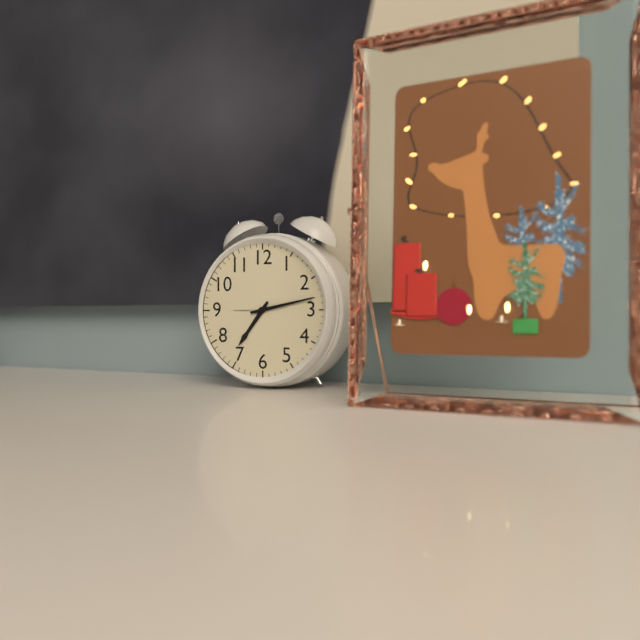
7:13
